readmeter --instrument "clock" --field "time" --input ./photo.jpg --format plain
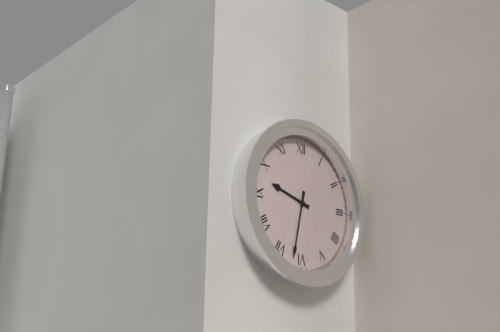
9:32
